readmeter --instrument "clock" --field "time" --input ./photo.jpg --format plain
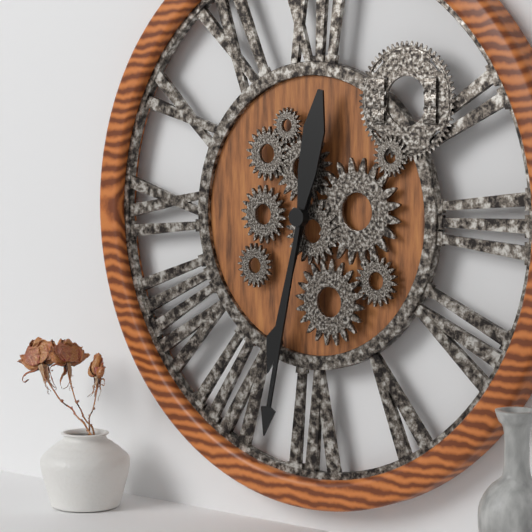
6:32
